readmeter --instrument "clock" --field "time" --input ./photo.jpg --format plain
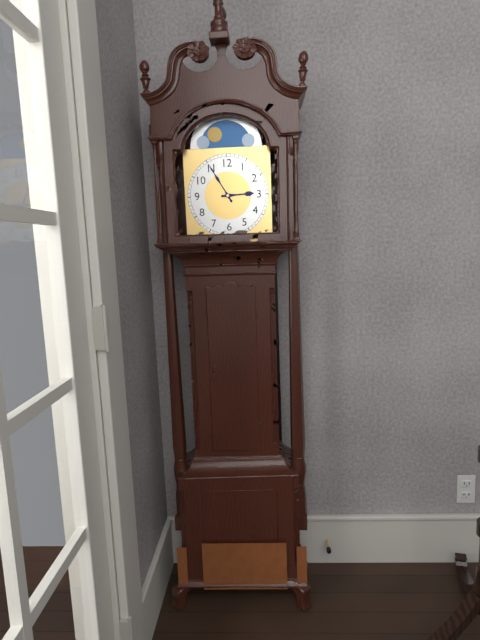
2:55
